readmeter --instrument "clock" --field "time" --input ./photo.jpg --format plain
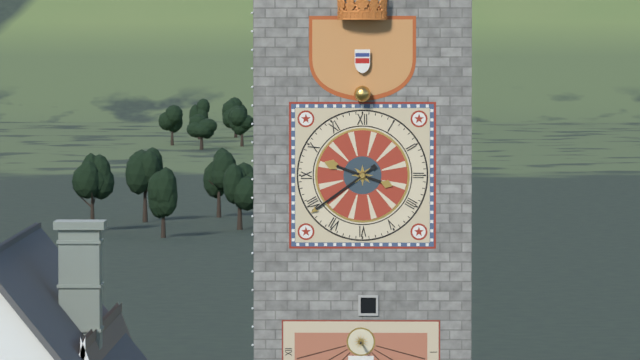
9:39
